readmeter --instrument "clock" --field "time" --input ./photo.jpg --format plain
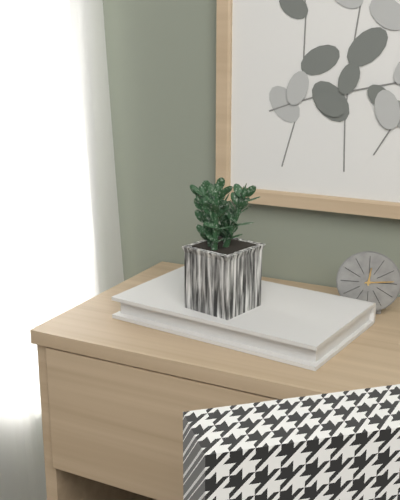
12:14
